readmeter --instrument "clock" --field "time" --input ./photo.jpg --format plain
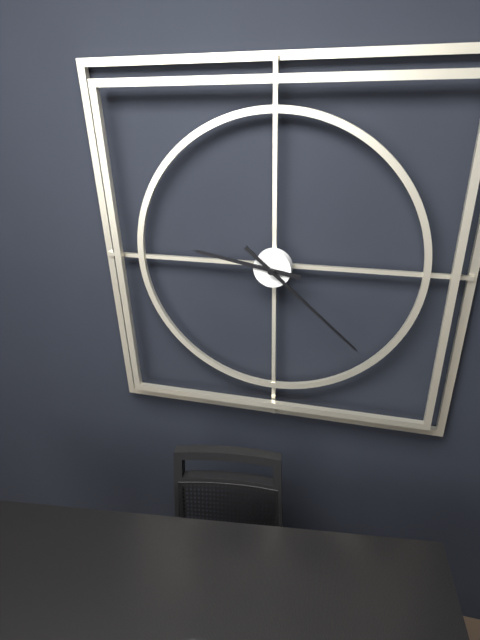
9:22
